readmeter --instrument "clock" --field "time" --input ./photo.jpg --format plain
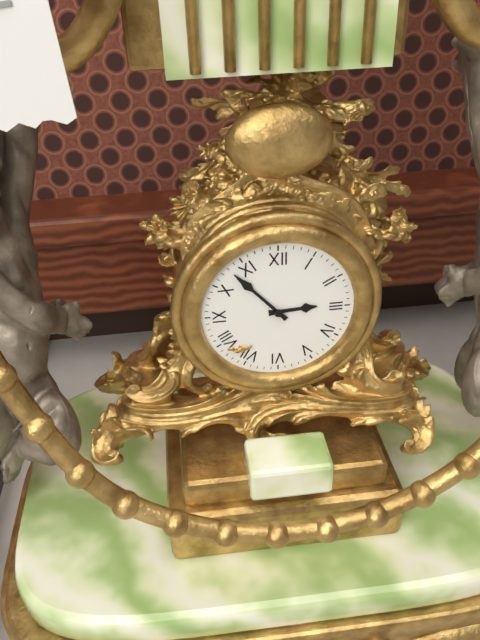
2:53
